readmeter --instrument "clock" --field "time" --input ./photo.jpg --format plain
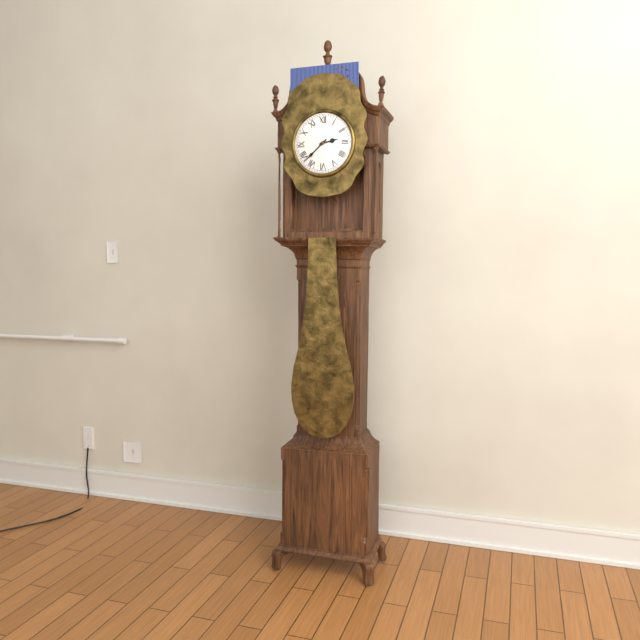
2:38
